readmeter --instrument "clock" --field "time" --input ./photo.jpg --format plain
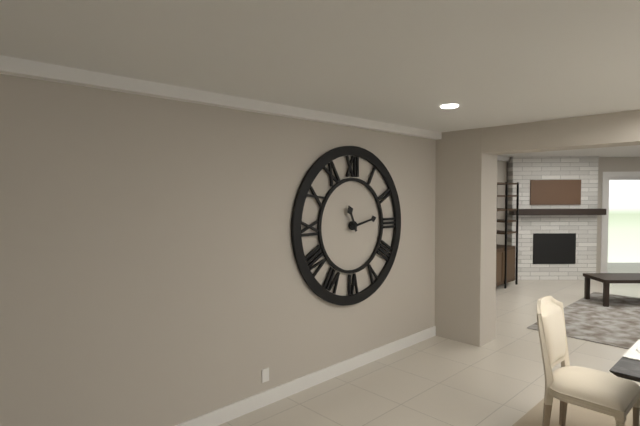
11:13
